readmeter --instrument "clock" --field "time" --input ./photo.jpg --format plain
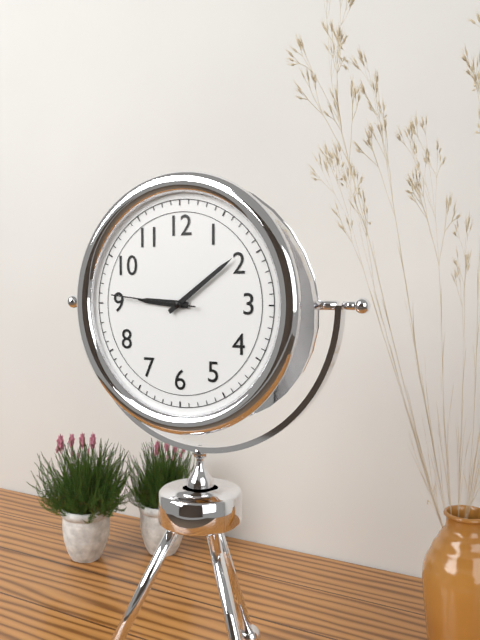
9:09:46
